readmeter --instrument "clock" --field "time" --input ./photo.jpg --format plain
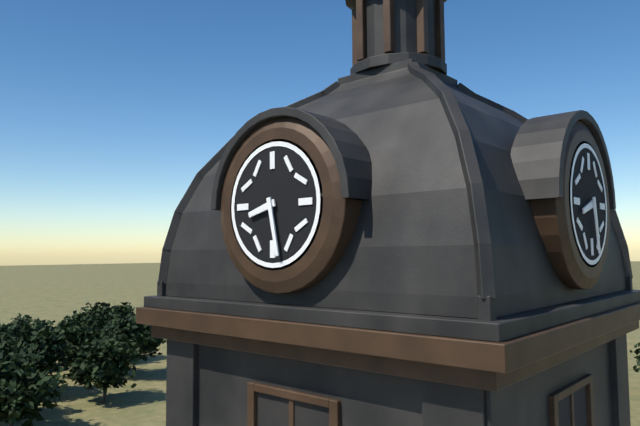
8:28
